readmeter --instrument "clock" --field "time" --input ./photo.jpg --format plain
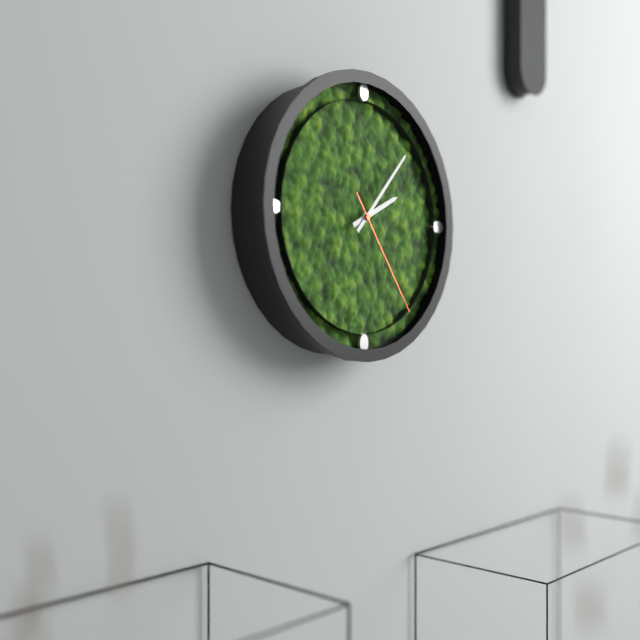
2:07:24
